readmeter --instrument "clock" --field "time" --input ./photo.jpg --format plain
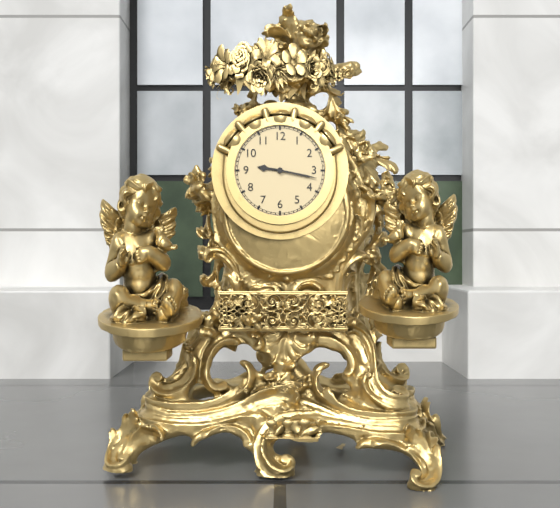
9:17
